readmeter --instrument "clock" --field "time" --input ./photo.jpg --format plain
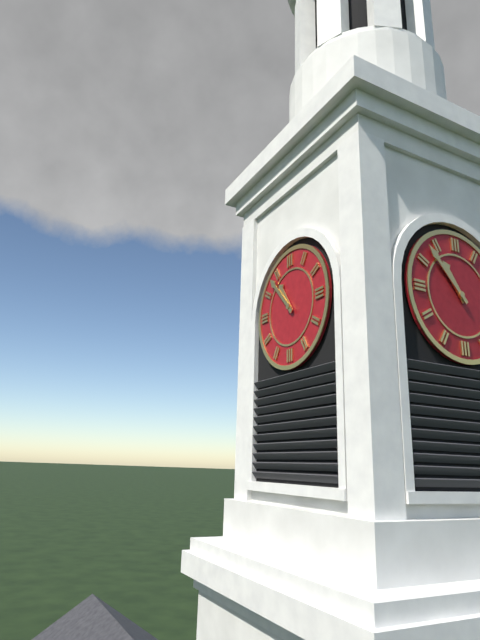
10:53
